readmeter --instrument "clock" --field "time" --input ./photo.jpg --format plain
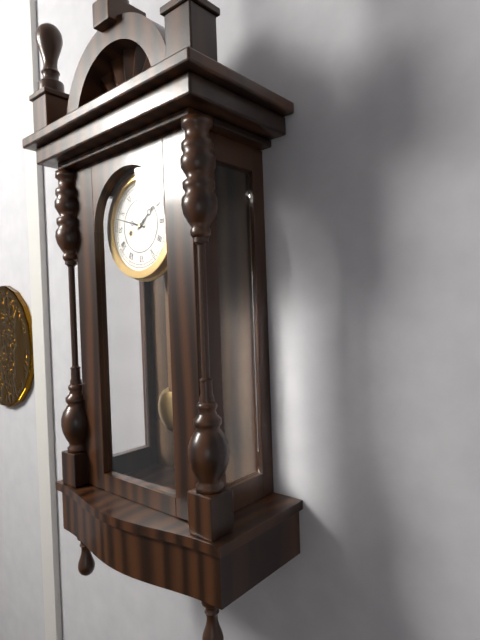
1:48
